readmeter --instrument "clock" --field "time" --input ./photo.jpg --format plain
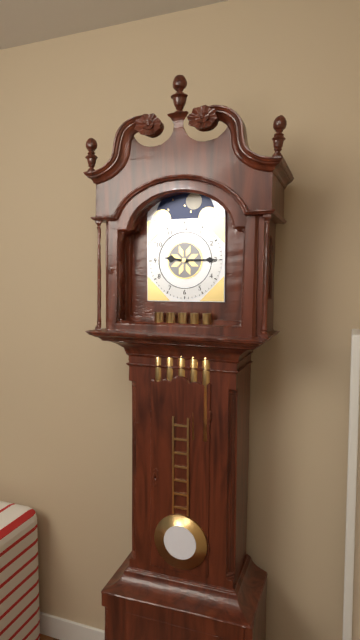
9:15
